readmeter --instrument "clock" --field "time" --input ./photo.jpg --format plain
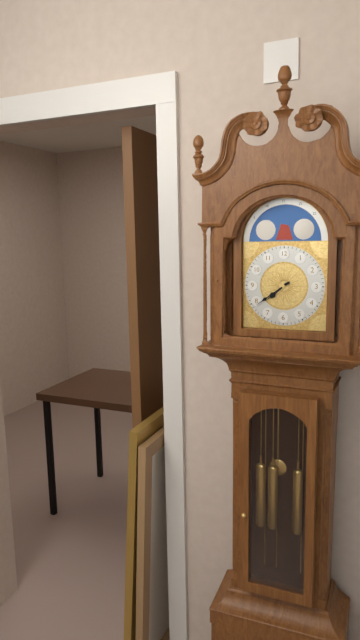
7:39
